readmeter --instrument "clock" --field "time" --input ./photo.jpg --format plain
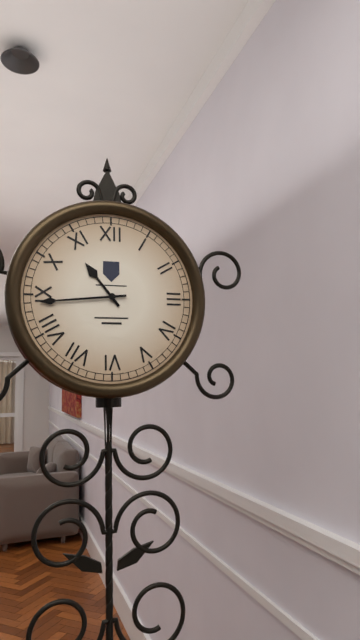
10:44
